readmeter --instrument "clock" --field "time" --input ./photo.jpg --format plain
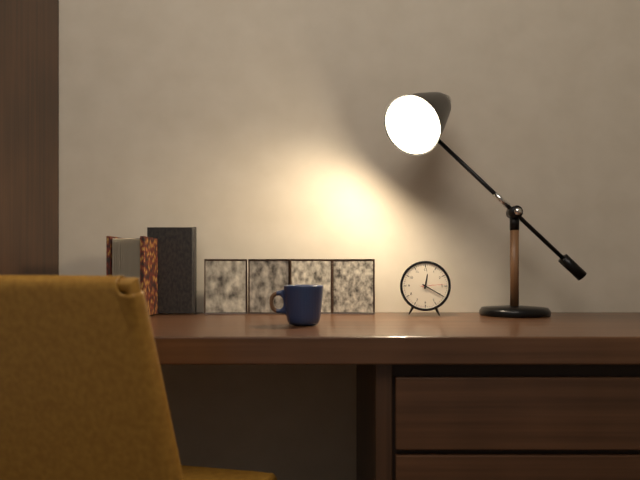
12:20
